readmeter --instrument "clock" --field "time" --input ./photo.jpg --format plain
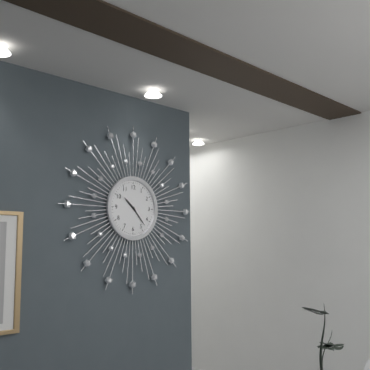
10:23
